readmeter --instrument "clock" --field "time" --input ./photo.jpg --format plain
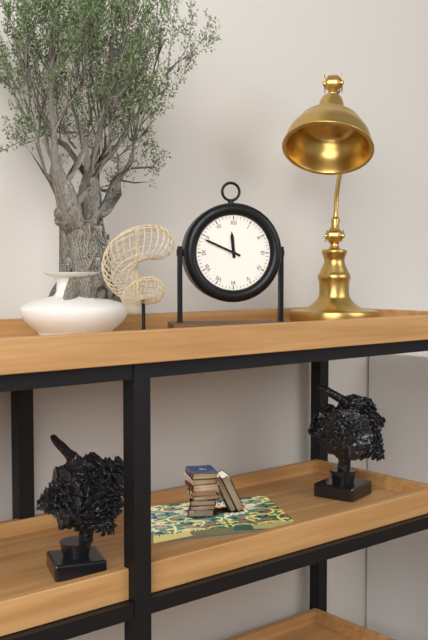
11:49
